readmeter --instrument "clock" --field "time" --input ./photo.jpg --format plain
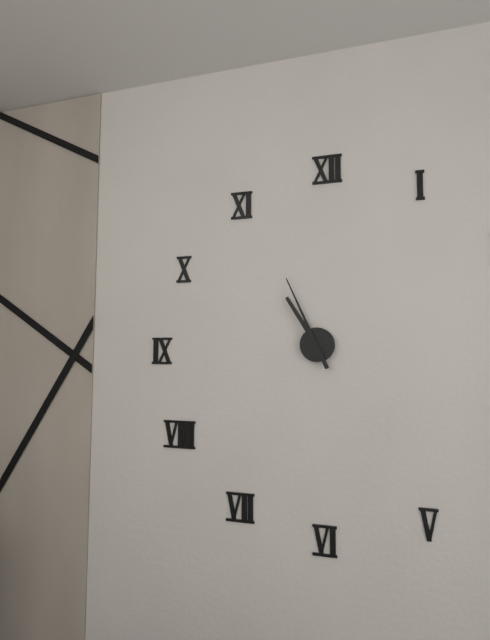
10:56
